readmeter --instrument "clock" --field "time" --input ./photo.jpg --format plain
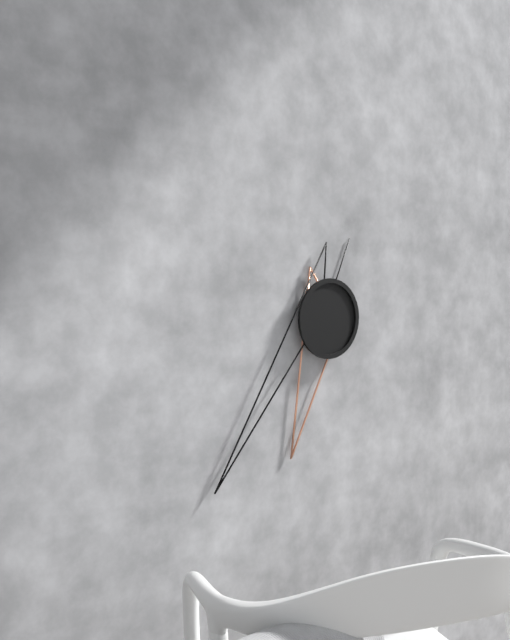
6:37:04
